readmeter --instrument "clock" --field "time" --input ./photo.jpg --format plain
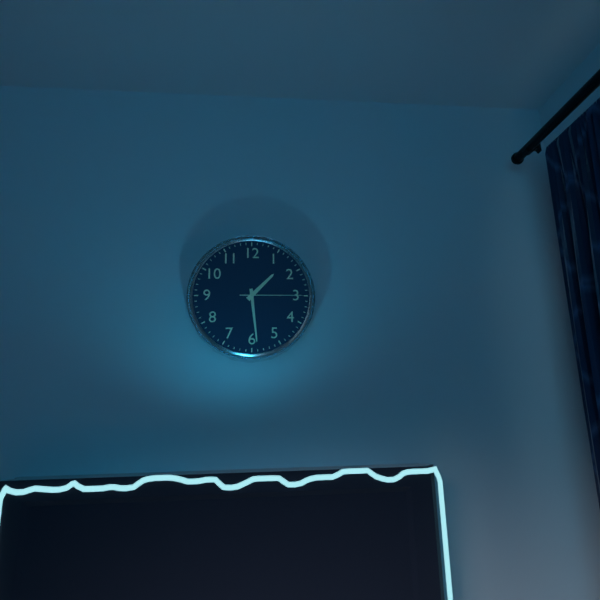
1:29:15
